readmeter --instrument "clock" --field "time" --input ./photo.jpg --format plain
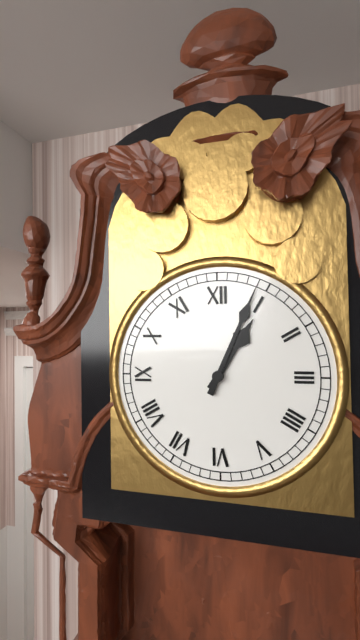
1:04
